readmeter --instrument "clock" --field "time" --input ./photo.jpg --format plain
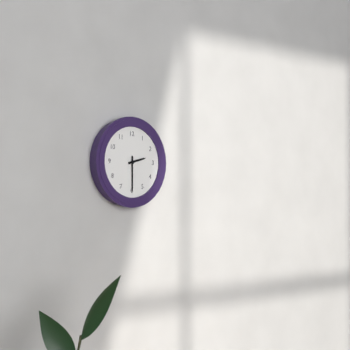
2:30
